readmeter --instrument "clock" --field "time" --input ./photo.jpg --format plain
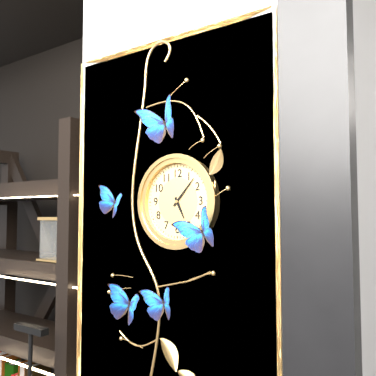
5:07
